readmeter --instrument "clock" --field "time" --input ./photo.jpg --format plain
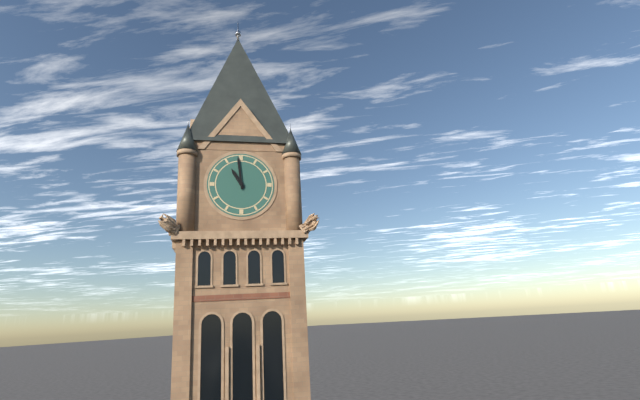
10:59
